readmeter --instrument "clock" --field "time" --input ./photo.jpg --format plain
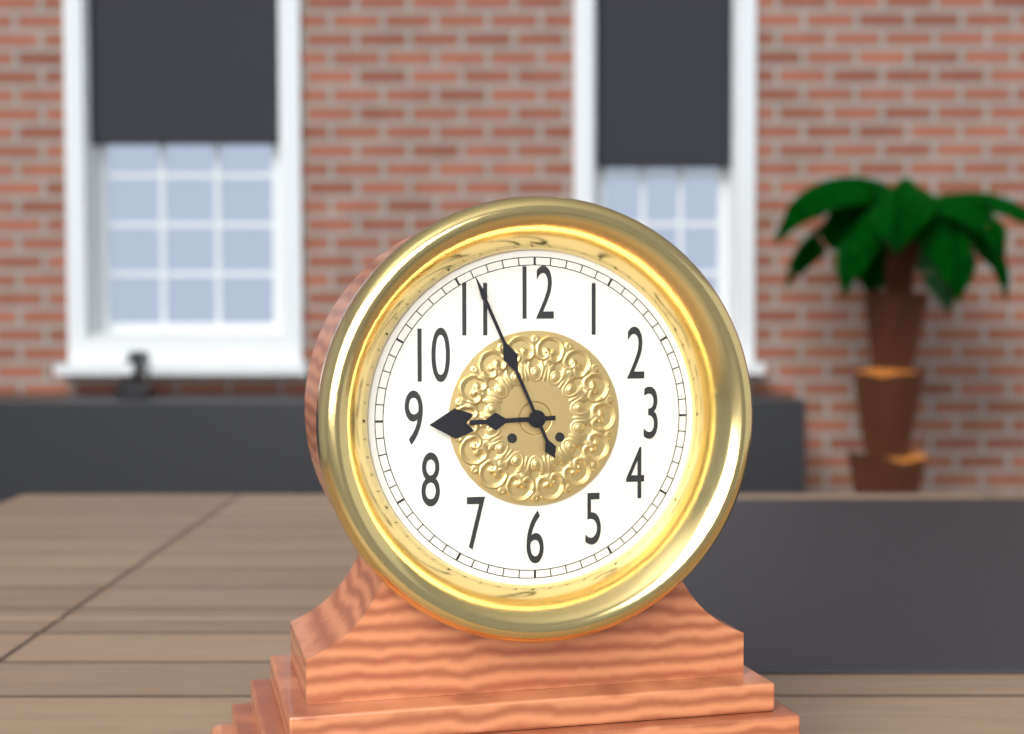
8:56
